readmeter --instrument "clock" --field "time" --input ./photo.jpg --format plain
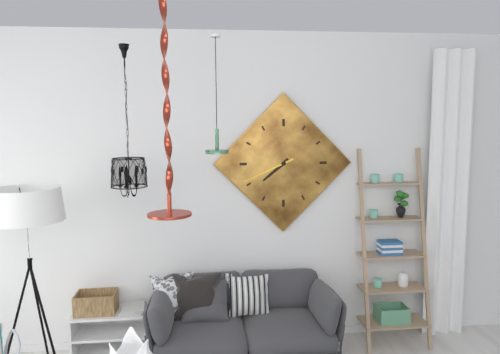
7:41
